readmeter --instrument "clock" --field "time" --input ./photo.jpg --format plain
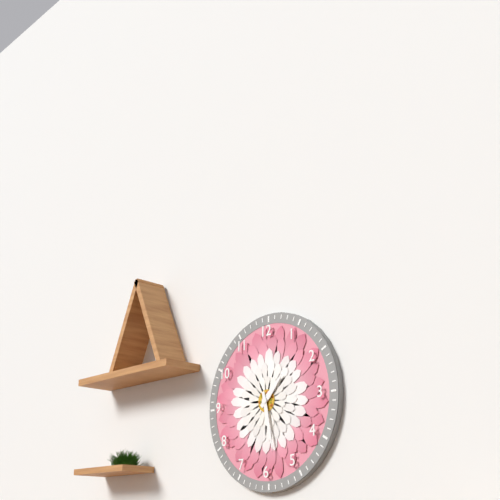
1:28
